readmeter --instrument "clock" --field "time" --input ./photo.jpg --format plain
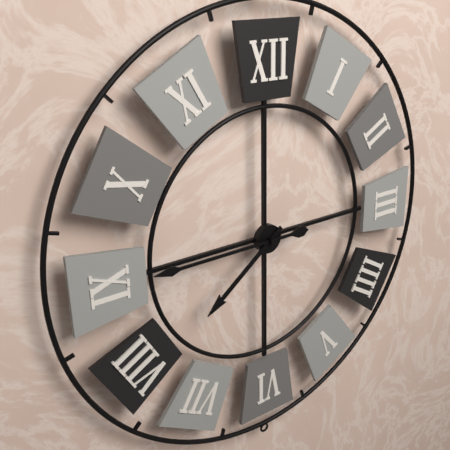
7:45
